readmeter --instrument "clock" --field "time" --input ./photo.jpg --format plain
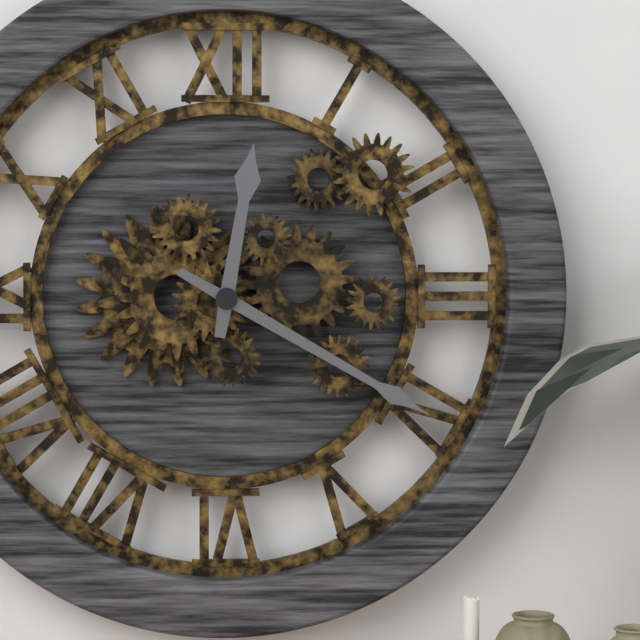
12:20
